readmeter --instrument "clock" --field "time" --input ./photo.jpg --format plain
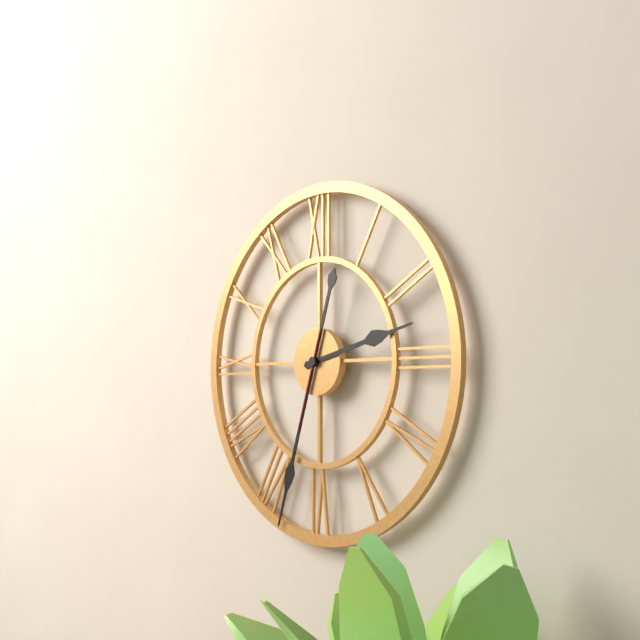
2:33:33
